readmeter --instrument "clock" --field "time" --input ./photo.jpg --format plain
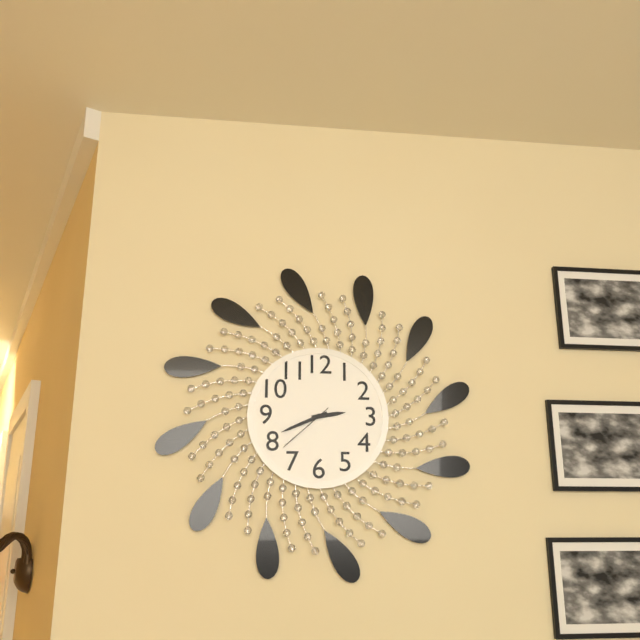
2:41:38
